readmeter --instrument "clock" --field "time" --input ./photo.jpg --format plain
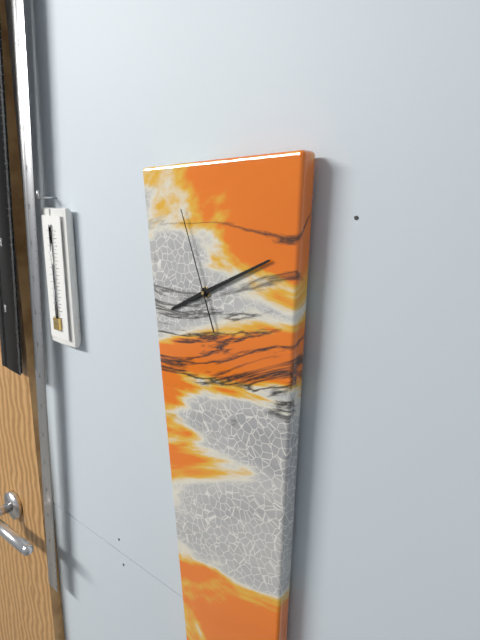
8:11:57
